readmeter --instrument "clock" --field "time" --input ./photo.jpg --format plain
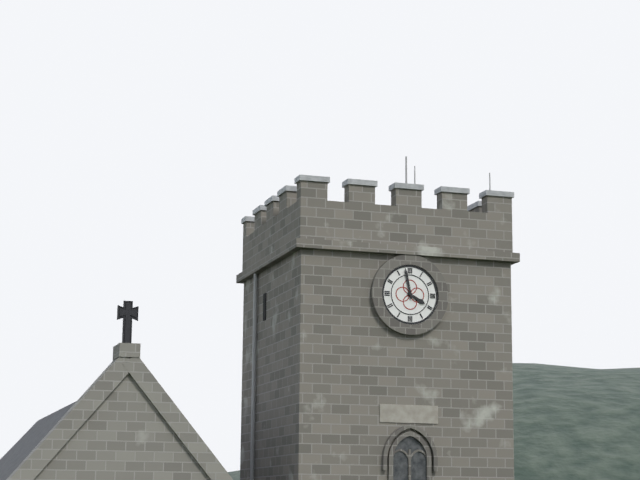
3:58
